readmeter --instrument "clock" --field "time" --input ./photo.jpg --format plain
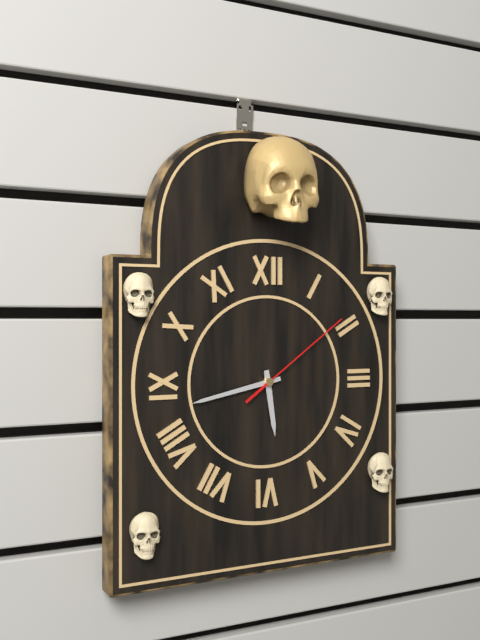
5:43:09
